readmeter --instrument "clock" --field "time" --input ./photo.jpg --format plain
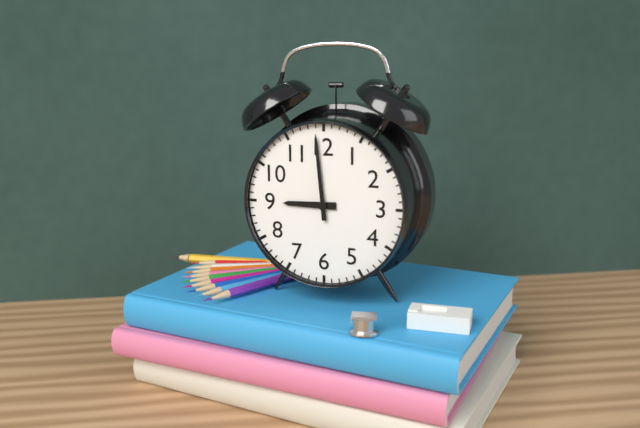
8:59
